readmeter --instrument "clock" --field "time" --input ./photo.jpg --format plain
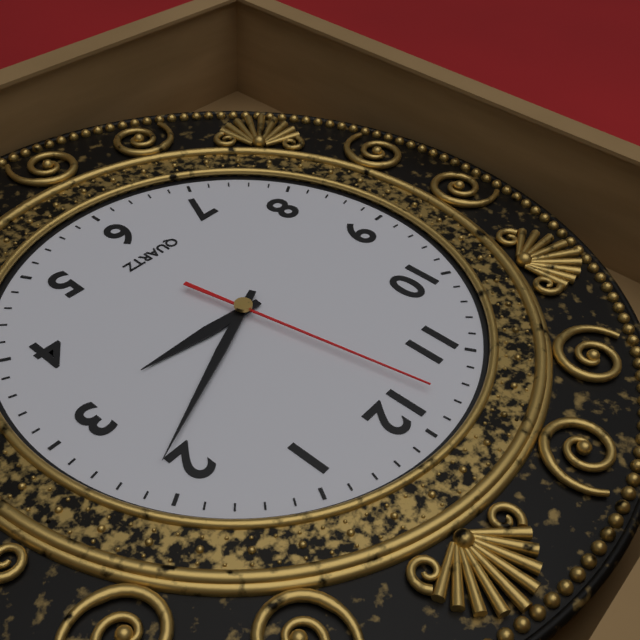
3:11:58
